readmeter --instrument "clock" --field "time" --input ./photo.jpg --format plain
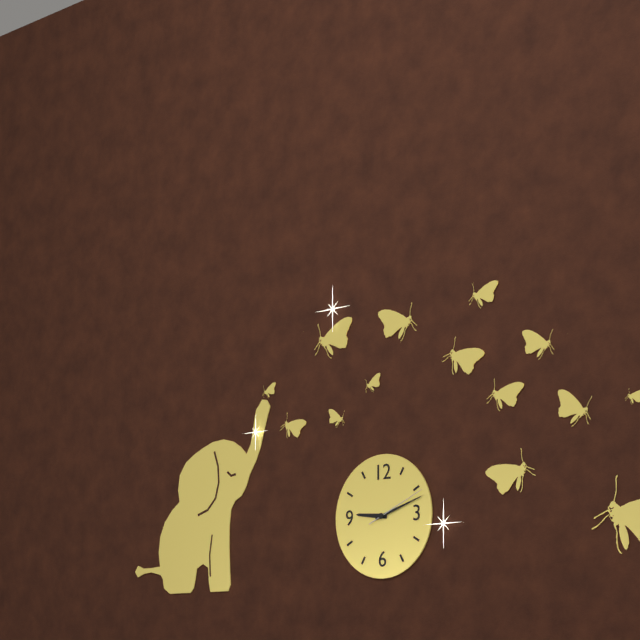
9:12:11
